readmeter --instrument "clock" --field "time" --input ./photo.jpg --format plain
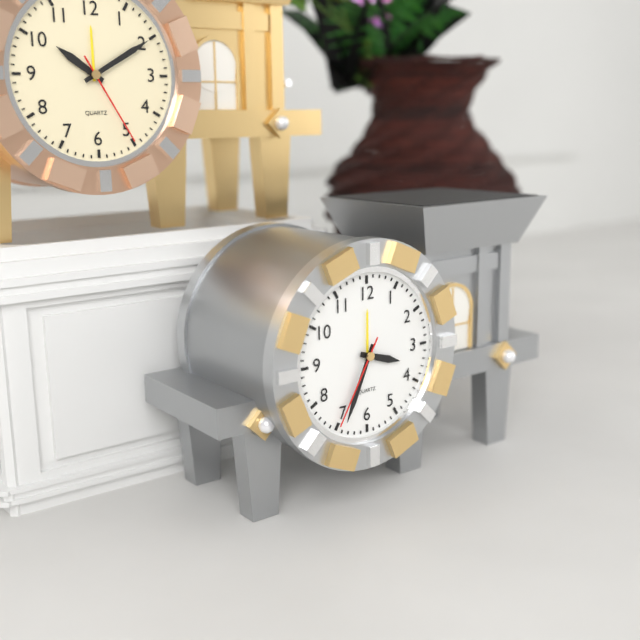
3:34:35
